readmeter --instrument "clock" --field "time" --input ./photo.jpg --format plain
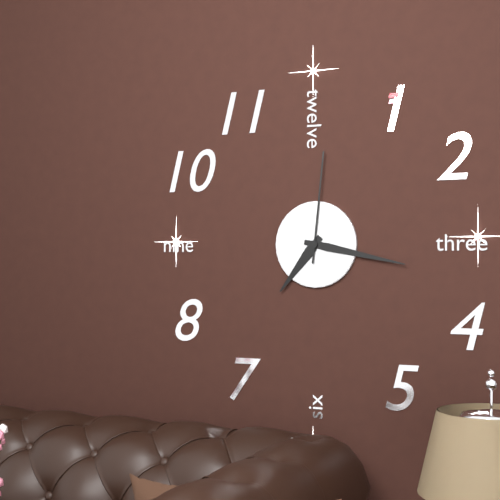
7:17:01
